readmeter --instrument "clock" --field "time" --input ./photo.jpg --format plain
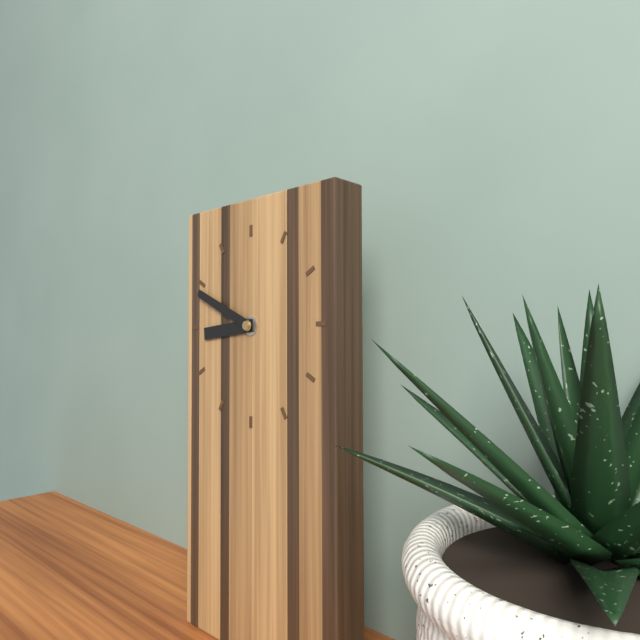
8:49
